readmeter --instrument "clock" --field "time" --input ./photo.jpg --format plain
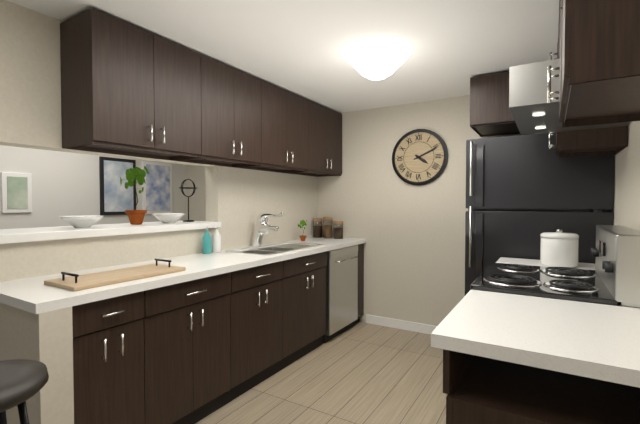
4:11
